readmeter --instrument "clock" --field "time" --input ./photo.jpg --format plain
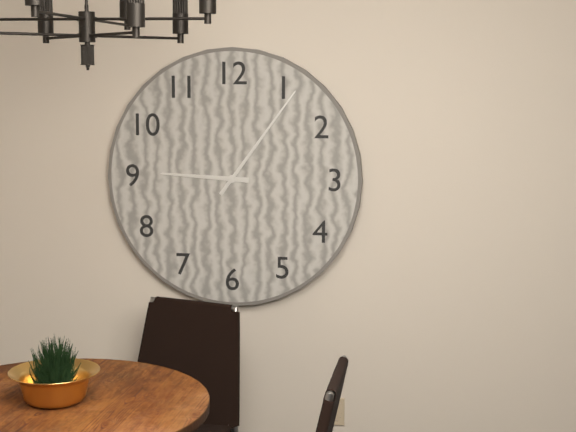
9:06
